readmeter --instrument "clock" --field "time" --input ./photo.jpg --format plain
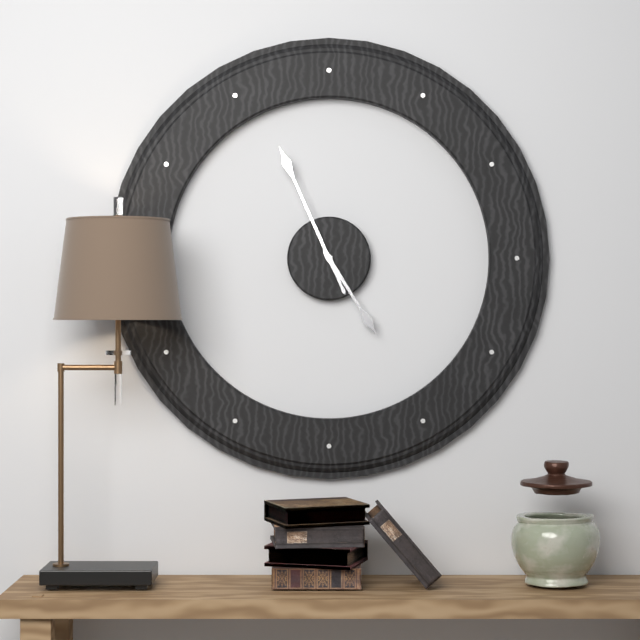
4:56
